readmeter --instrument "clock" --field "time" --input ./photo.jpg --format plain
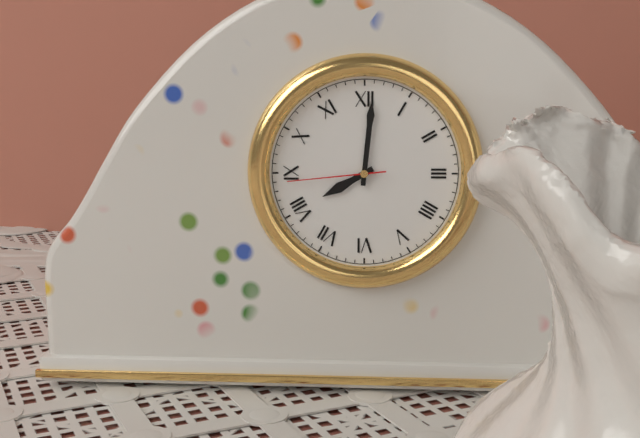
8:01:44
